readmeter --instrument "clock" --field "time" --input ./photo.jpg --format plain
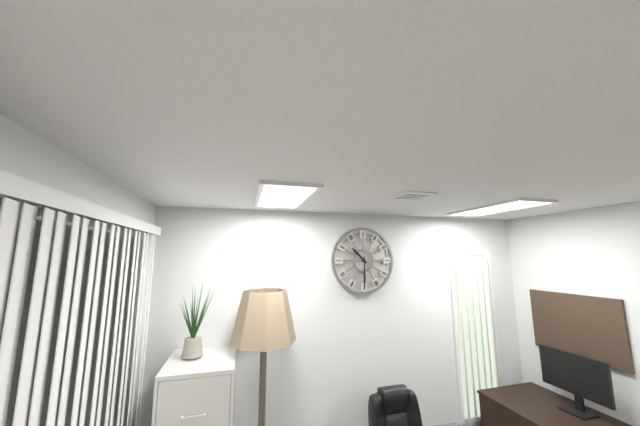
10:30
